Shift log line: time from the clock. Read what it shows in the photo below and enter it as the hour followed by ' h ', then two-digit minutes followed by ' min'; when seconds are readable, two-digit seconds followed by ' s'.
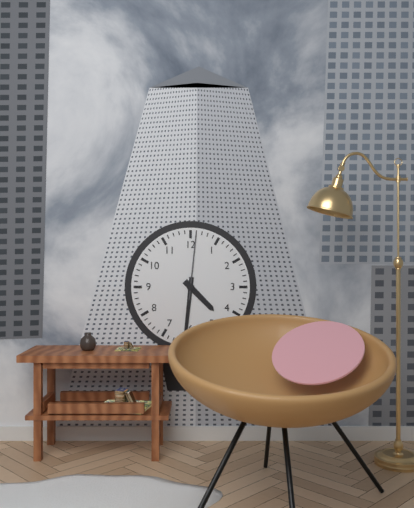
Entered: 4 h 31 min 01 s
